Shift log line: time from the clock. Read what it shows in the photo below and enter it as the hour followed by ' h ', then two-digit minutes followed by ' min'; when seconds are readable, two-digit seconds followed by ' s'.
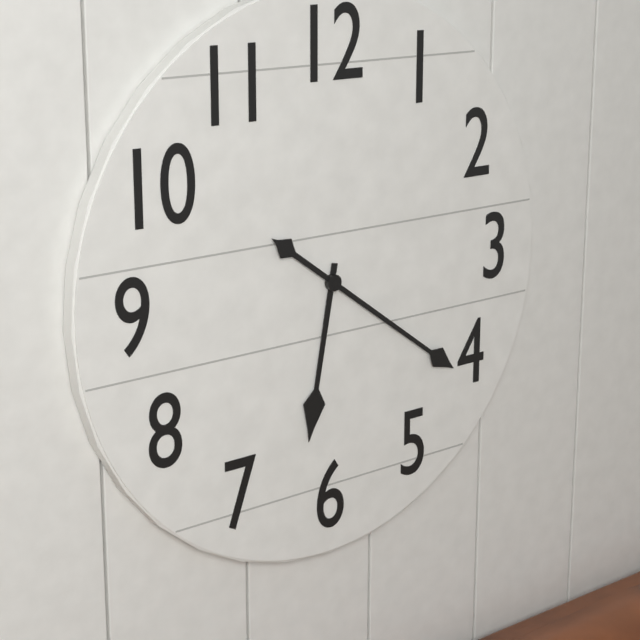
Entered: 6 h 21 min
